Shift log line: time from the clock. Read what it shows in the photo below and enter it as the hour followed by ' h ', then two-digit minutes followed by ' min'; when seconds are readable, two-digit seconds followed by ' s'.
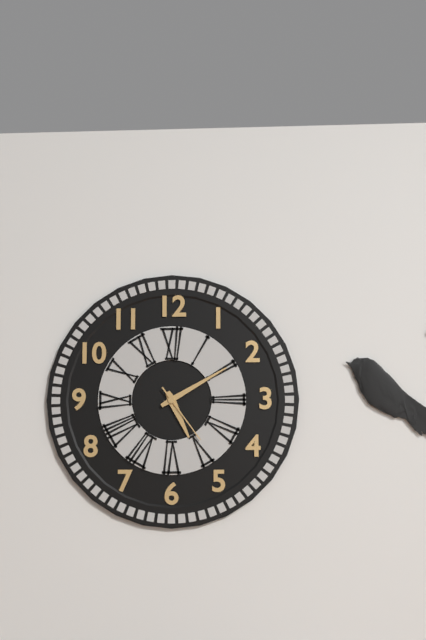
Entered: 5 h 10 min 24 s
